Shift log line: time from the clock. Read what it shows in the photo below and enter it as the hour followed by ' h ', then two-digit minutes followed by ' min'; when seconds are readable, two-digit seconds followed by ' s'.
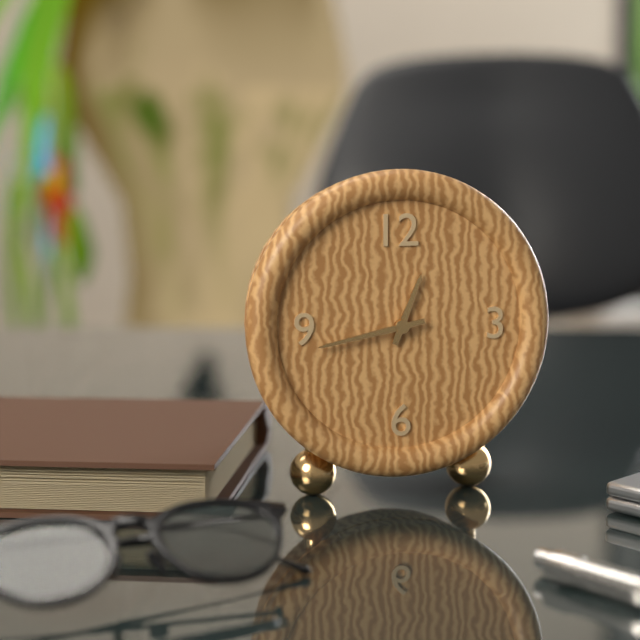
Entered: 12 h 43 min
